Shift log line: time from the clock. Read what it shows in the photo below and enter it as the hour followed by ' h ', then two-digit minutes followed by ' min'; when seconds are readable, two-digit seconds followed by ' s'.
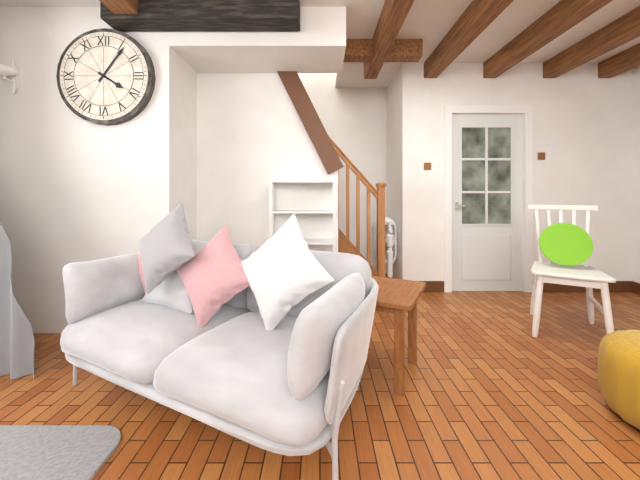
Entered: 4 h 06 min
